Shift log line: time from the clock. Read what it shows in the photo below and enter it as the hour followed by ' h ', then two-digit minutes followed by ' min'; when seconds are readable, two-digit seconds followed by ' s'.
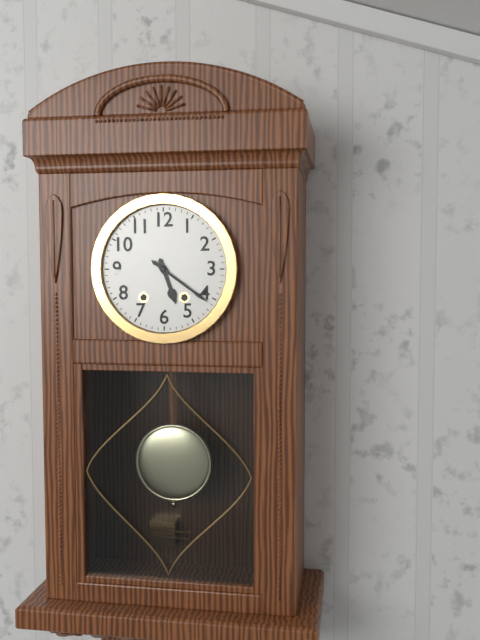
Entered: 5 h 21 min
